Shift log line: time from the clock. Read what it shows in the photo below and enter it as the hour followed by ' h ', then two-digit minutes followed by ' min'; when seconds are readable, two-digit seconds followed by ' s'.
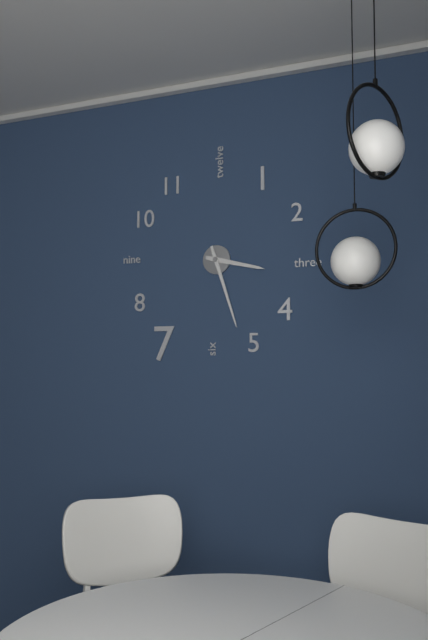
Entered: 3 h 27 min
